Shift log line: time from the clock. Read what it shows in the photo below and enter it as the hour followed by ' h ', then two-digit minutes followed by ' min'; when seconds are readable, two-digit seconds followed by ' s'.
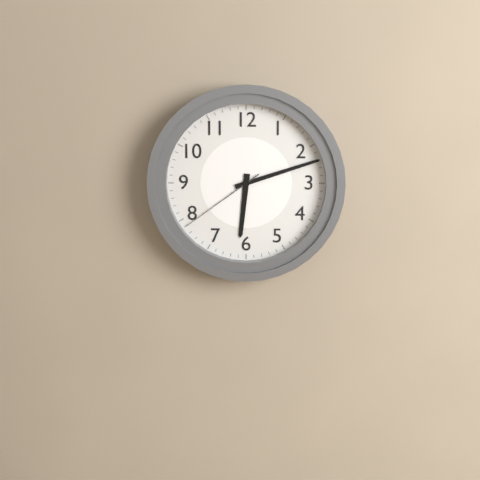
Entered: 6 h 12 min 39 s
